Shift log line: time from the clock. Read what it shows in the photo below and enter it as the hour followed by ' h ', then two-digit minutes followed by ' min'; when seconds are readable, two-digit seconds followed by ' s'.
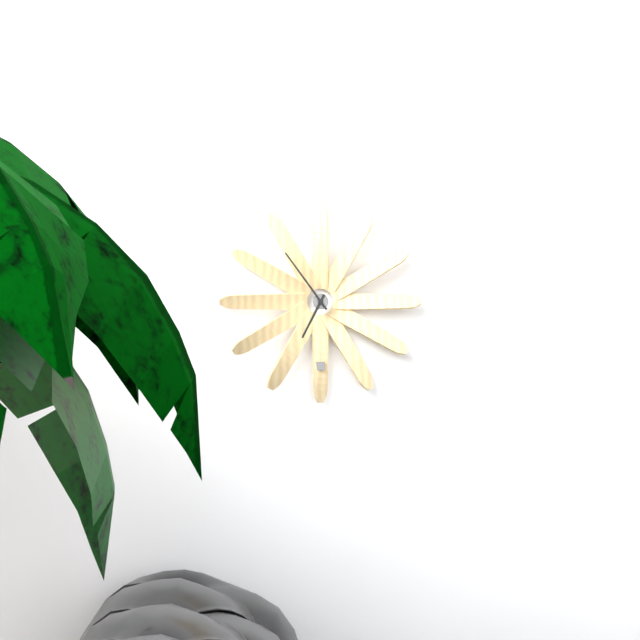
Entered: 6 h 54 min
